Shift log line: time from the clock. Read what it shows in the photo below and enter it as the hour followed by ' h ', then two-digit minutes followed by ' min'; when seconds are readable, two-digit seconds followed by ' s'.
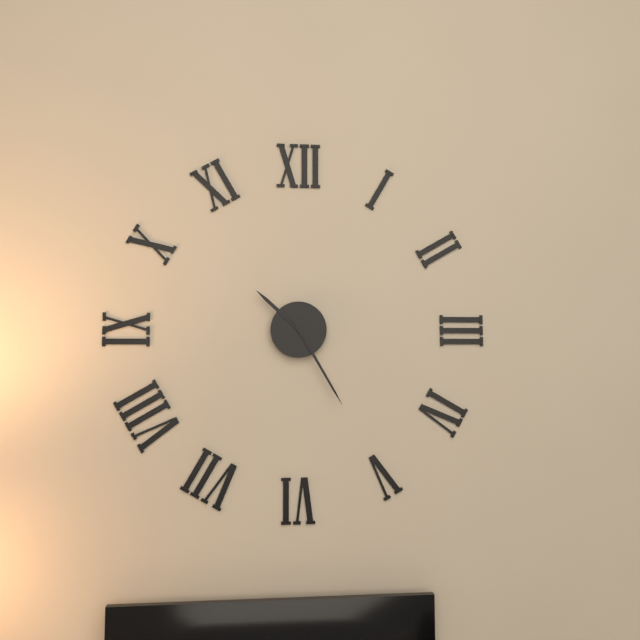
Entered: 10 h 25 min
